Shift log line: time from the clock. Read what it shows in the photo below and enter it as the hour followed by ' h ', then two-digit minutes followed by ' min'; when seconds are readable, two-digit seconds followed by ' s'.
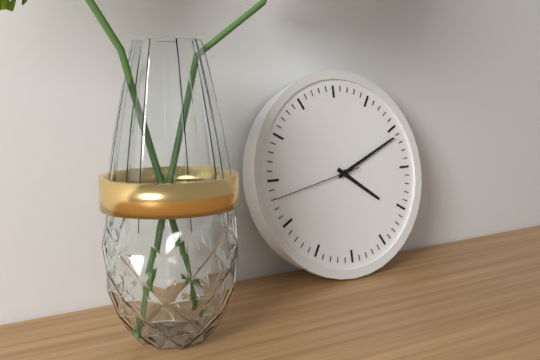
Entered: 4 h 11 min 43 s
